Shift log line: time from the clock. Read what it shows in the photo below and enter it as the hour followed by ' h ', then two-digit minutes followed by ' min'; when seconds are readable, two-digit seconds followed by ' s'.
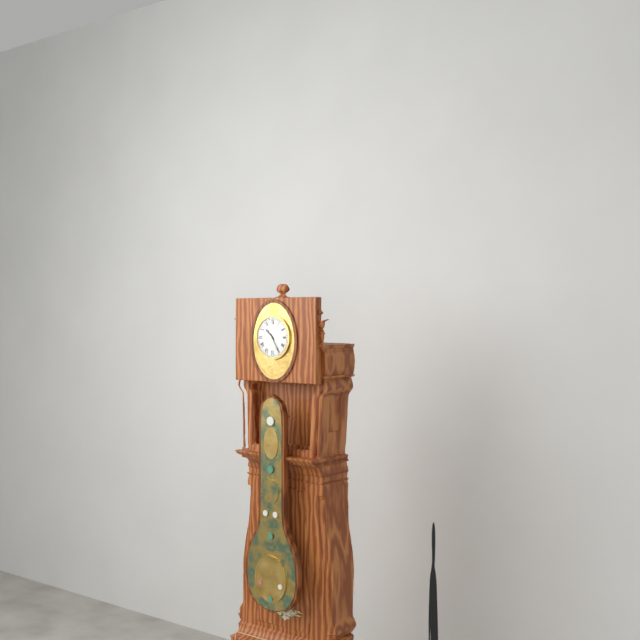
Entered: 10 h 25 min
